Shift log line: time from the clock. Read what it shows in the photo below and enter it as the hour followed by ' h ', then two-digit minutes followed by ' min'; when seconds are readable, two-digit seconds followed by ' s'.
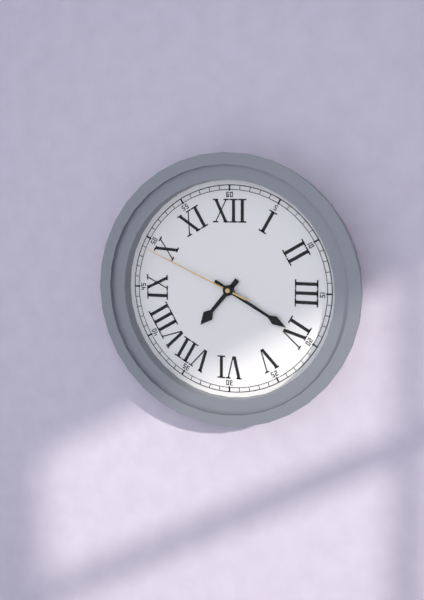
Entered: 7 h 20 min 49 s
